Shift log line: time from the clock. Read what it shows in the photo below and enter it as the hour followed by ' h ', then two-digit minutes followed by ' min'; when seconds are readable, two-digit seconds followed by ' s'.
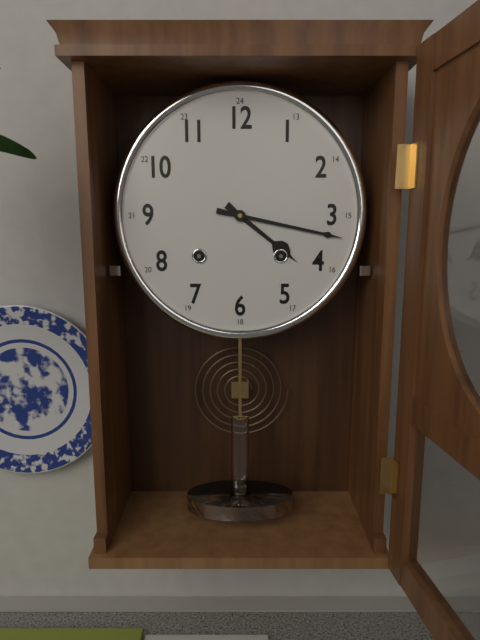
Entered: 4 h 17 min
